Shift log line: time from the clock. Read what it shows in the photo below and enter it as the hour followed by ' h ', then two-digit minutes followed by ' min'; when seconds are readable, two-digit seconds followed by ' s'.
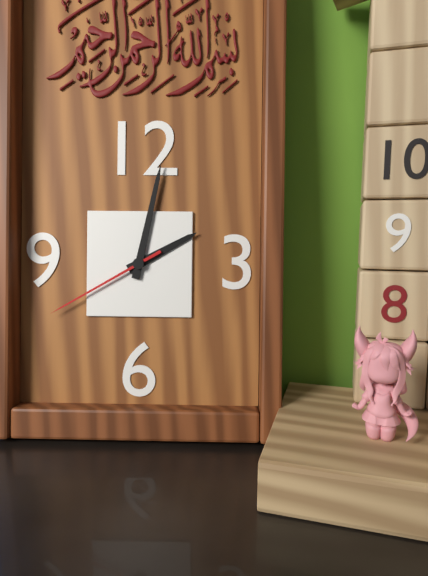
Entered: 2 h 02 min 40 s
